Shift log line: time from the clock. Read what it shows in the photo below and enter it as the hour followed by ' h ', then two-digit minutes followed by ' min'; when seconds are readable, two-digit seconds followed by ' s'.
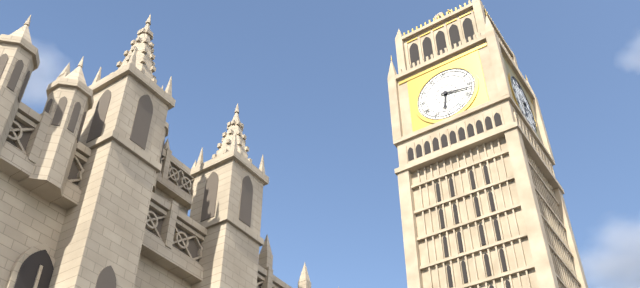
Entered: 6 h 17 min
